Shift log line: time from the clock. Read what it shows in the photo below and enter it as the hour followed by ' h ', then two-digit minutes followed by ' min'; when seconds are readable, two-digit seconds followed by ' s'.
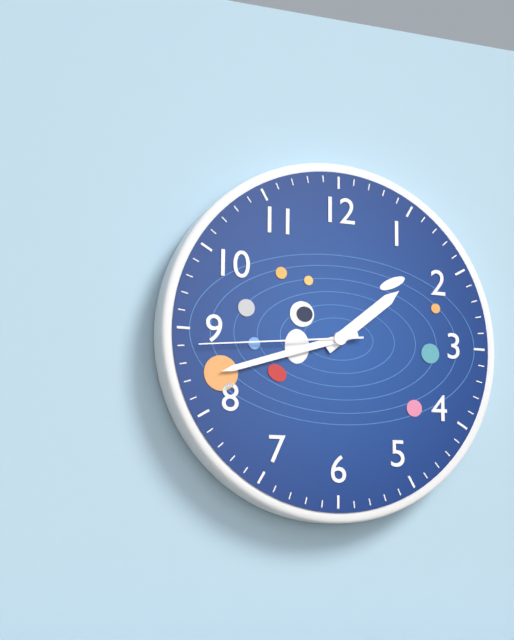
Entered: 1 h 42 min 44 s
